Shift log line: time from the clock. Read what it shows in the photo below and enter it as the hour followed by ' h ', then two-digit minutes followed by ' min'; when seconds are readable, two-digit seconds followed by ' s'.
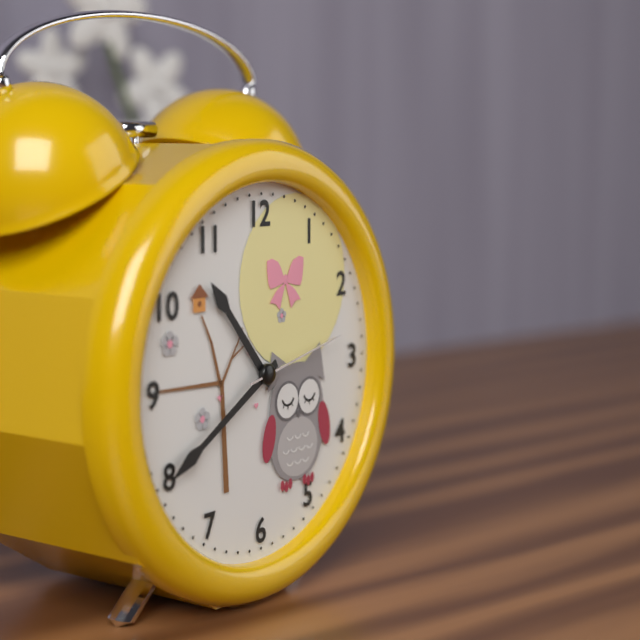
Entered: 10 h 40 min 13 s
